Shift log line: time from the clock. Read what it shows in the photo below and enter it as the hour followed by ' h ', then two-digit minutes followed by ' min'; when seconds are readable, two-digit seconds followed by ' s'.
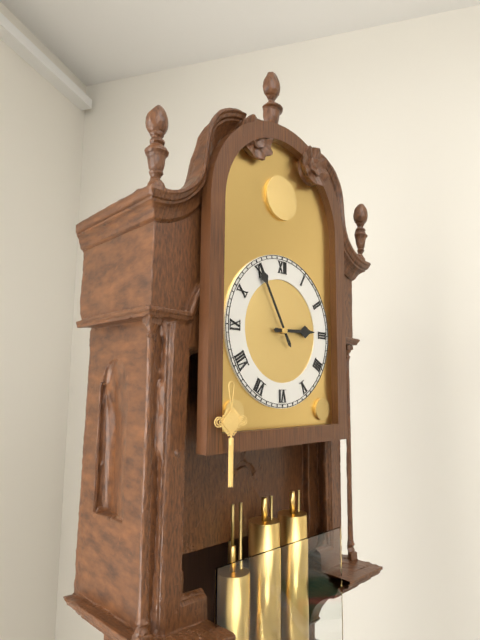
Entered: 2 h 55 min
